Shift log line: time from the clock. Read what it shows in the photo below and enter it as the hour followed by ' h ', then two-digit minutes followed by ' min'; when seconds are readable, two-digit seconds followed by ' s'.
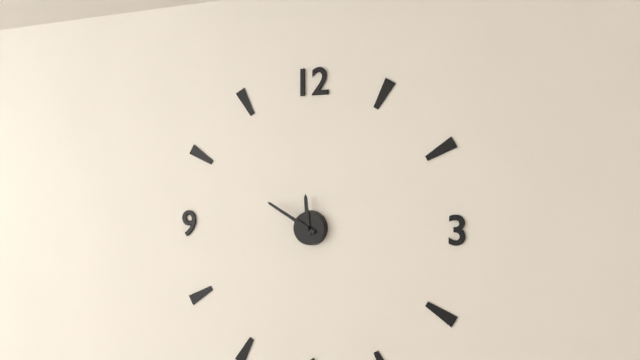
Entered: 11 h 50 min
